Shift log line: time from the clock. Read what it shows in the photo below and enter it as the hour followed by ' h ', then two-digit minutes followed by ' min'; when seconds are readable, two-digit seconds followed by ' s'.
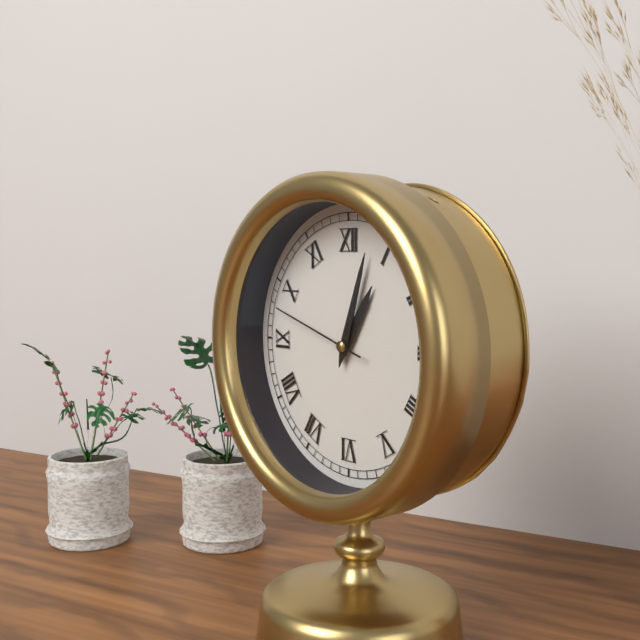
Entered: 1 h 03 min 48 s
